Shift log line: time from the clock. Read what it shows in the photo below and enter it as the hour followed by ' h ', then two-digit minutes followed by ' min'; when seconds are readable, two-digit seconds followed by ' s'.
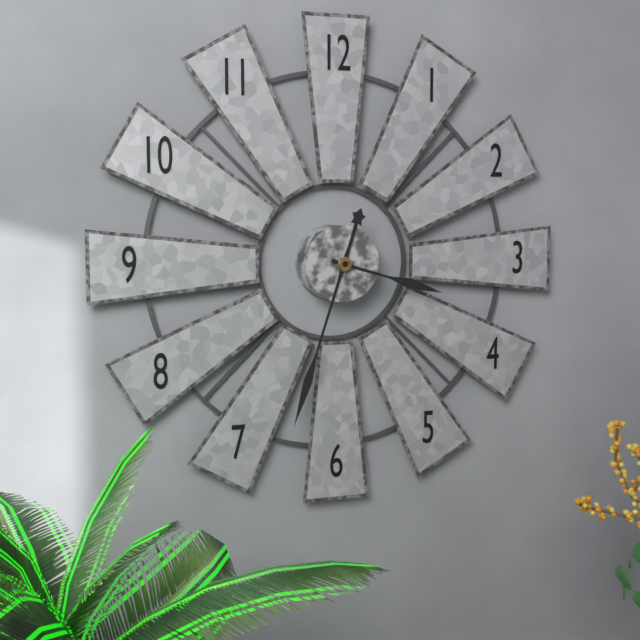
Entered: 3 h 33 min
